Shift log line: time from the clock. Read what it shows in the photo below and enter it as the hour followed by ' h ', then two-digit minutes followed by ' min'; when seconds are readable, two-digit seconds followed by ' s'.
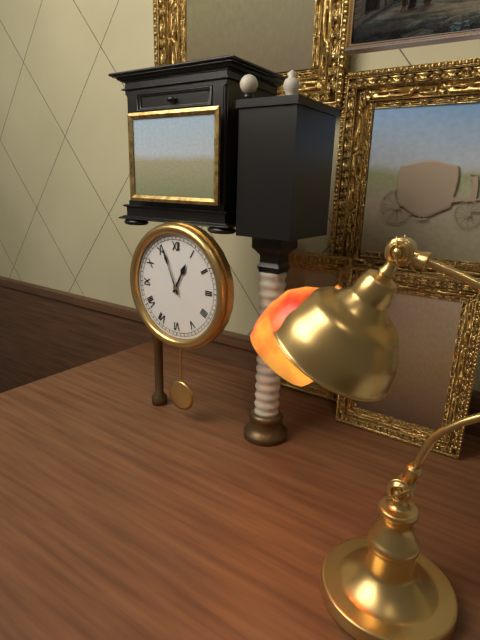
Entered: 12 h 56 min
